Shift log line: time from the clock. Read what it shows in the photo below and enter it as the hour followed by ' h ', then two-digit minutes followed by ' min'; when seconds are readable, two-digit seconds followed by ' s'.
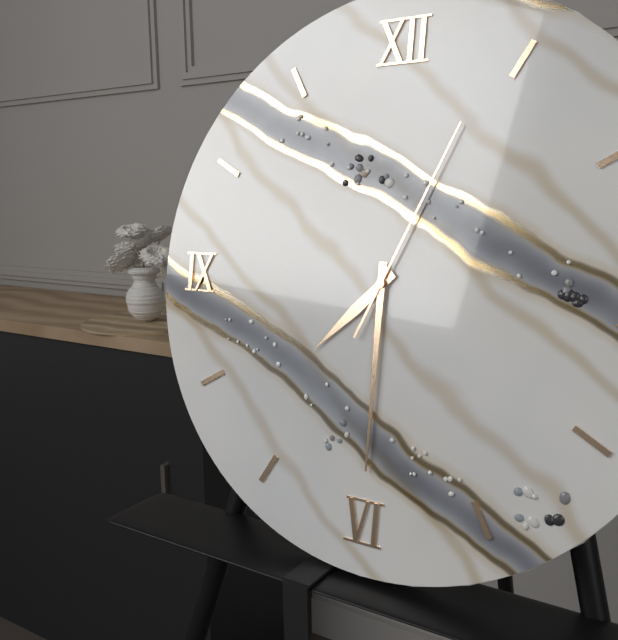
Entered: 7 h 30 min 04 s
